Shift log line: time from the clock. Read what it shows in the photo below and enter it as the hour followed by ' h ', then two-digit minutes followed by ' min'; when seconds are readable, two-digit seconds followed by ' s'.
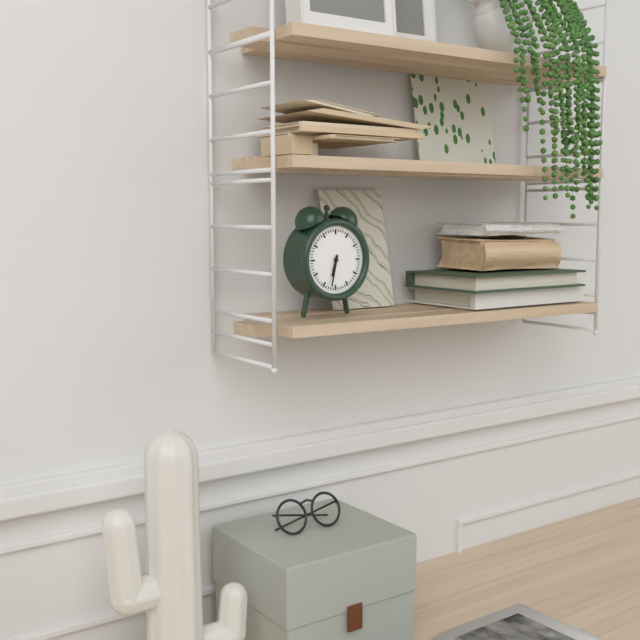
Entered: 6 h 32 min
